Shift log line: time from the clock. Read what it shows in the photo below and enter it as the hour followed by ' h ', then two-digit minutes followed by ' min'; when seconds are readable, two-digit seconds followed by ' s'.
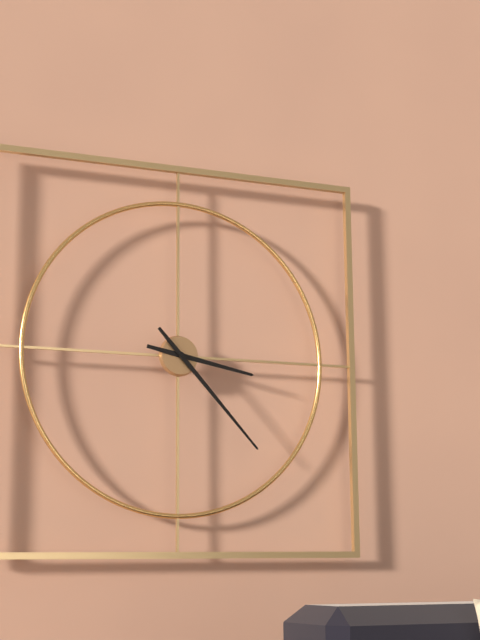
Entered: 3 h 23 min
